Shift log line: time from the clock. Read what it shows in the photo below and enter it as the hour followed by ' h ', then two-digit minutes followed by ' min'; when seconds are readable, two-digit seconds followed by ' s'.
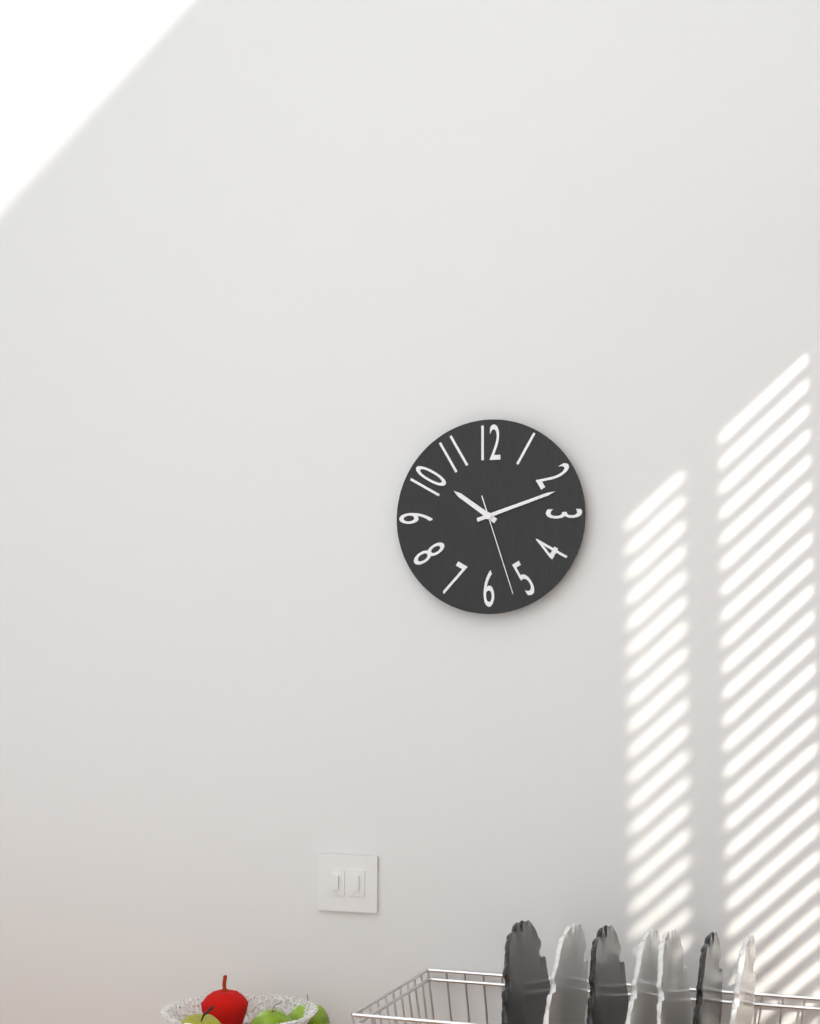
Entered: 10 h 12 min 27 s
